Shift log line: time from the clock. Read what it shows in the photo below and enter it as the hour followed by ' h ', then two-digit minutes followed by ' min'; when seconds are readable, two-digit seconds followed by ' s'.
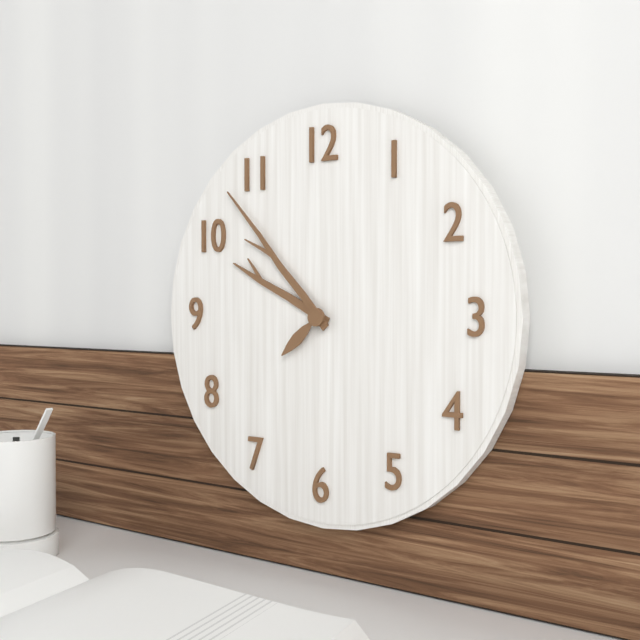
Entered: 9 h 53 min 38 s
